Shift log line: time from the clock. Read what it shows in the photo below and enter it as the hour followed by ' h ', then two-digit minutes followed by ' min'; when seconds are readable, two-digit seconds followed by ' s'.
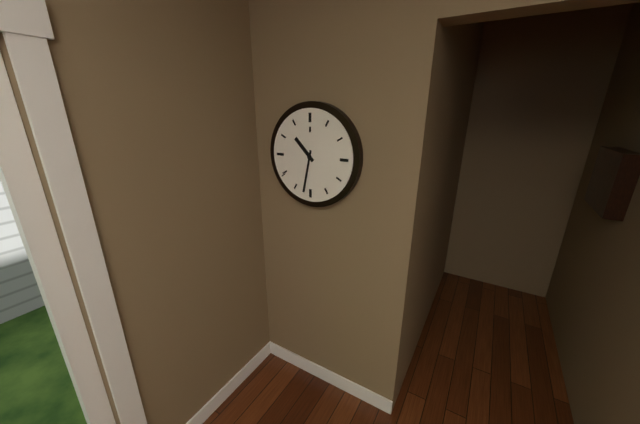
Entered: 10 h 32 min
